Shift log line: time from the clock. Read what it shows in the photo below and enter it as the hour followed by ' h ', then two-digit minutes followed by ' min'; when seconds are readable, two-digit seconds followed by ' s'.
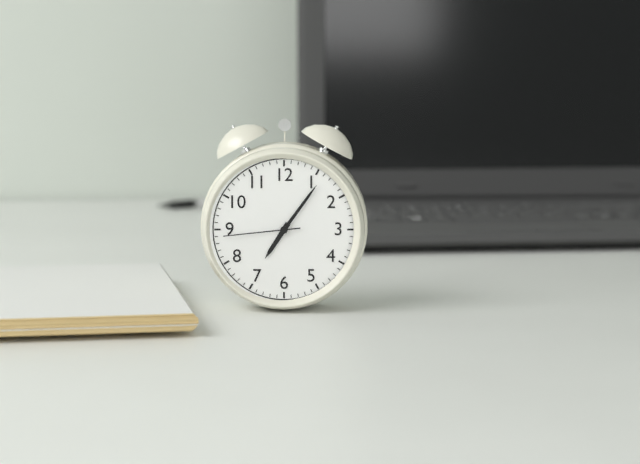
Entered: 7 h 06 min 44 s
